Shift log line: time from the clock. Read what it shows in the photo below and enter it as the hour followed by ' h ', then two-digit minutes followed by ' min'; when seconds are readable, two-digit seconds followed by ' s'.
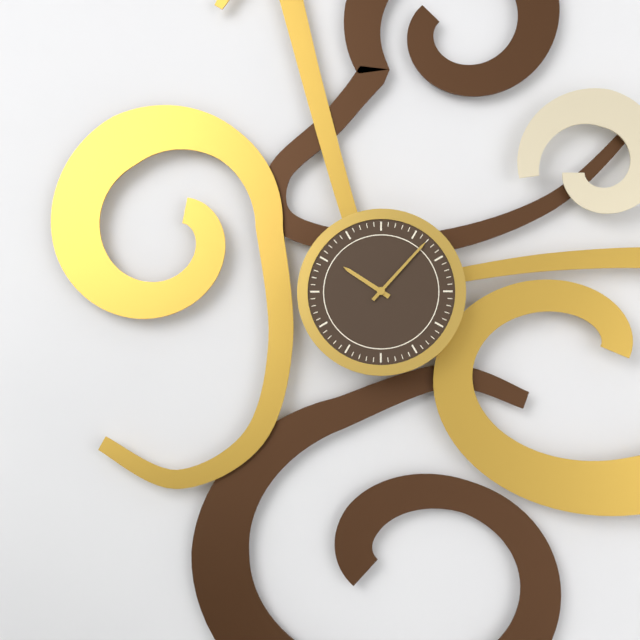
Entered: 10 h 07 min
